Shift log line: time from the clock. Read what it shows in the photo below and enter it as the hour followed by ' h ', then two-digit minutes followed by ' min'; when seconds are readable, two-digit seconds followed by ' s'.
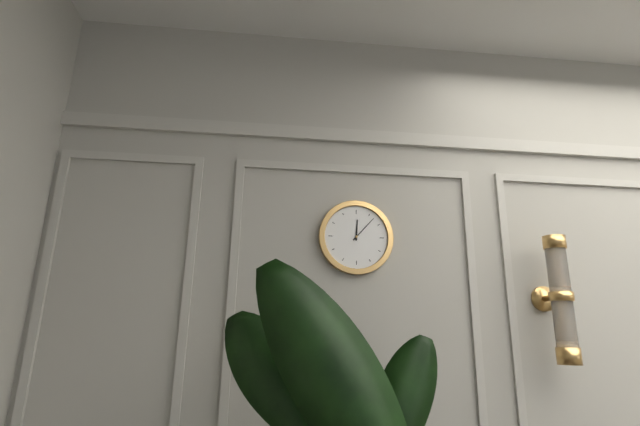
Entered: 12 h 07 min
